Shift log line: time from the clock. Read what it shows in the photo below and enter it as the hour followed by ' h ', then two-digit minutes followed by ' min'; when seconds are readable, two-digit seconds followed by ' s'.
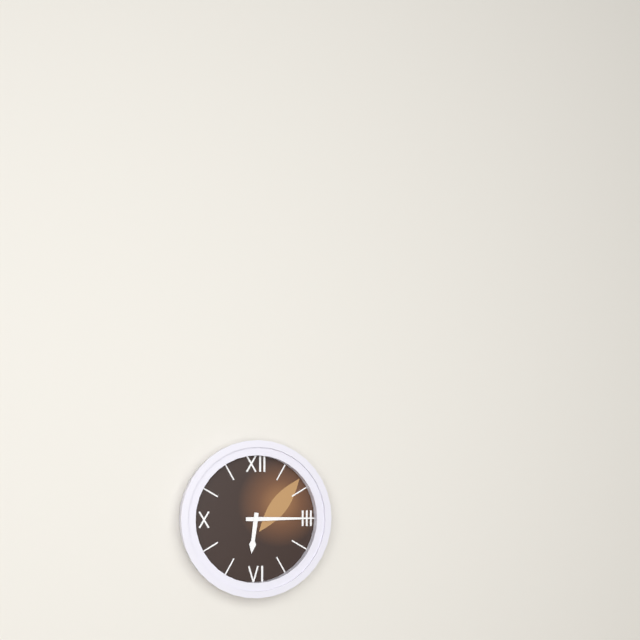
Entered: 6 h 15 min
